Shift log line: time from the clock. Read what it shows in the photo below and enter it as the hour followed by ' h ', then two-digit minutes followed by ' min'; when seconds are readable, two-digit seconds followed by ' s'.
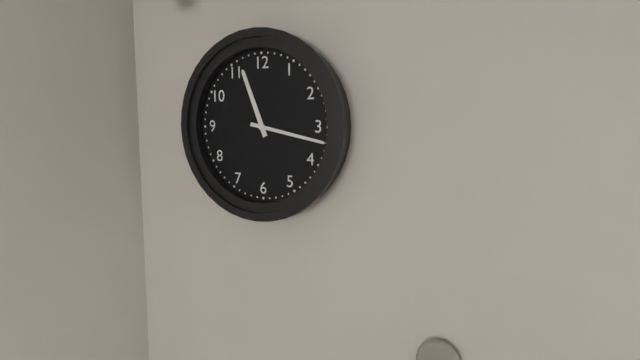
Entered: 11 h 17 min
